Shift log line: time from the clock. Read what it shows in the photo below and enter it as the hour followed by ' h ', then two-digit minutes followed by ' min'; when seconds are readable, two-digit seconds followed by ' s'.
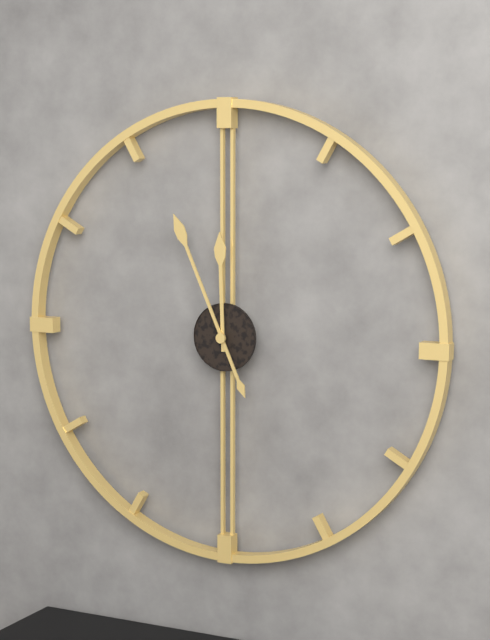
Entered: 11 h 56 min
